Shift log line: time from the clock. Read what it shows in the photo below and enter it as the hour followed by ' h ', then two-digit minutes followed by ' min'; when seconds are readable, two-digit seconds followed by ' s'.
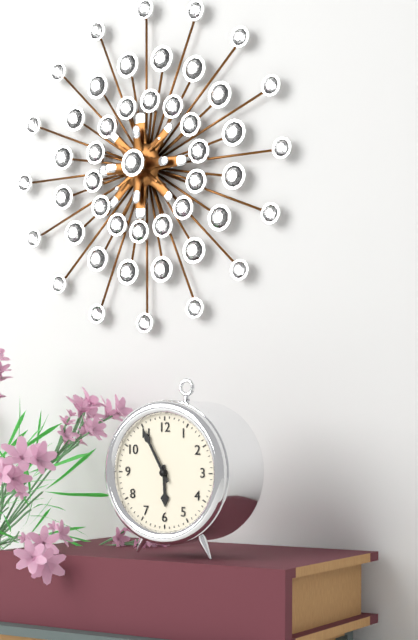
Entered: 5 h 55 min
